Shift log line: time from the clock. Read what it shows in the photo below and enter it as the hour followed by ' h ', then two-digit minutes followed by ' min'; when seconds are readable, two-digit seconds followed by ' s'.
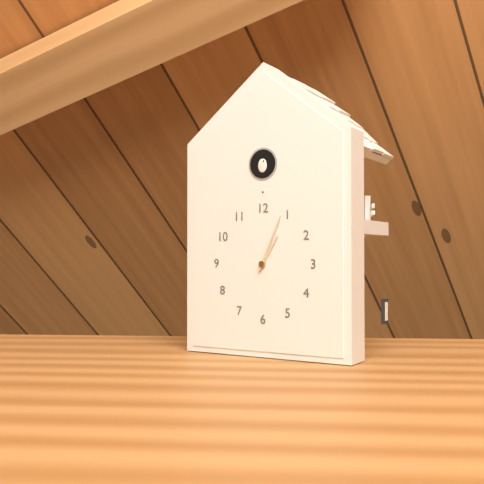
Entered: 1 h 04 min
